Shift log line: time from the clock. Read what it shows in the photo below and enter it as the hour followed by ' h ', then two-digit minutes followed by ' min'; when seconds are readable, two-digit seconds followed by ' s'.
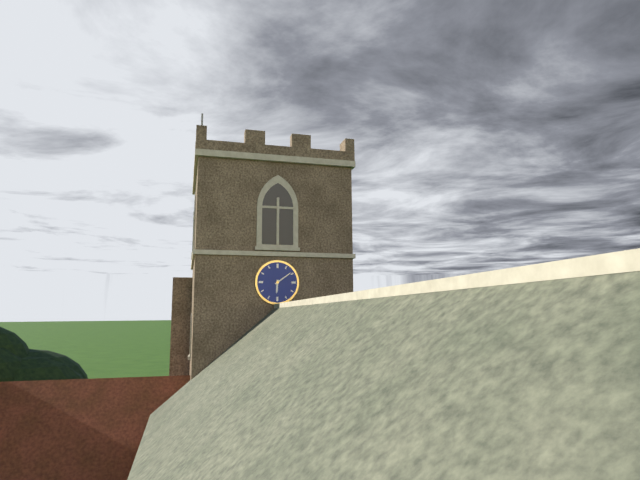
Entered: 6 h 09 min
